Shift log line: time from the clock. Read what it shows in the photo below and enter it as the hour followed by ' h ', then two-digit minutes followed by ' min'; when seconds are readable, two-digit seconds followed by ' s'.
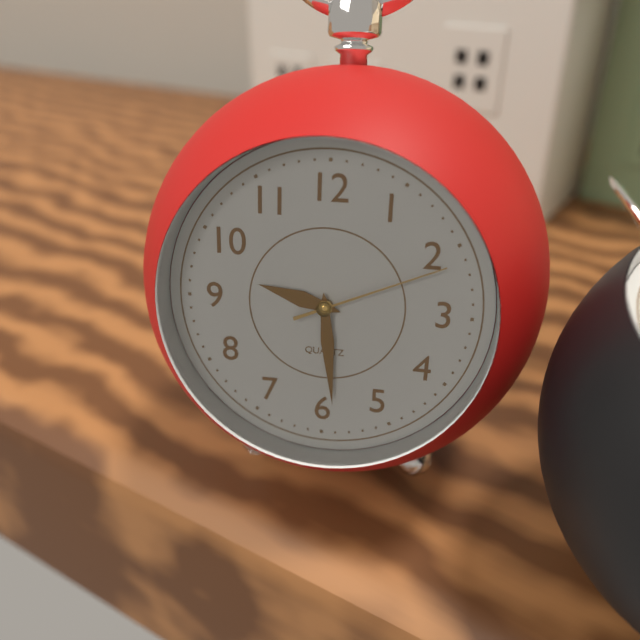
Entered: 9 h 29 min 11 s
